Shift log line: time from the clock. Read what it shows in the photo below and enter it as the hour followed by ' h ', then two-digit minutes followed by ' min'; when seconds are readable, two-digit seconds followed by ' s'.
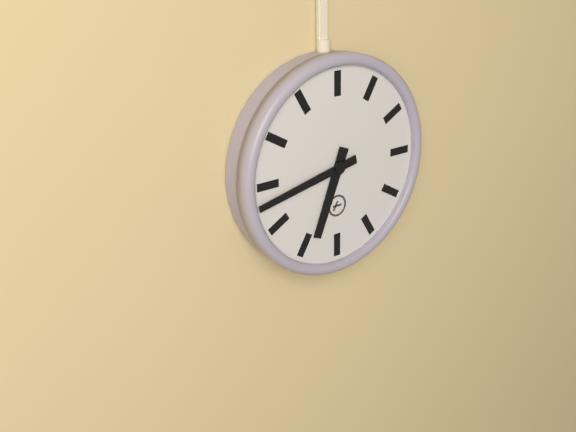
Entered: 6 h 43 min
